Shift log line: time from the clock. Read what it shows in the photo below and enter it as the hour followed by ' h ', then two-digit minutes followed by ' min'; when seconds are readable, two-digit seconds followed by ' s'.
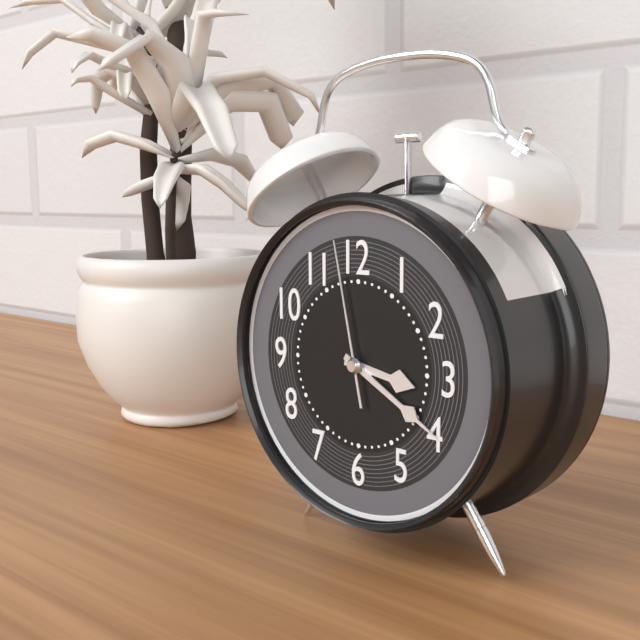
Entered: 3 h 20 min 58 s
